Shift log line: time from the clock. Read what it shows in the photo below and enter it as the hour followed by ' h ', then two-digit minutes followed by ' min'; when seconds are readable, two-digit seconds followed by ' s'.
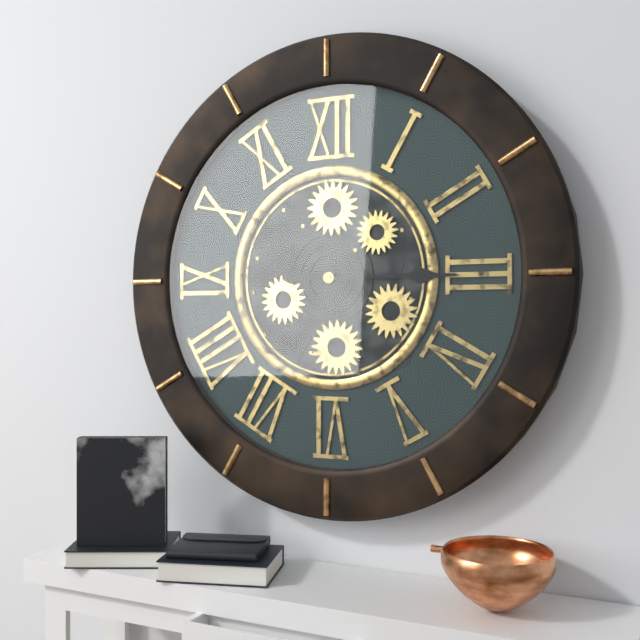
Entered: 9 h 15 min
